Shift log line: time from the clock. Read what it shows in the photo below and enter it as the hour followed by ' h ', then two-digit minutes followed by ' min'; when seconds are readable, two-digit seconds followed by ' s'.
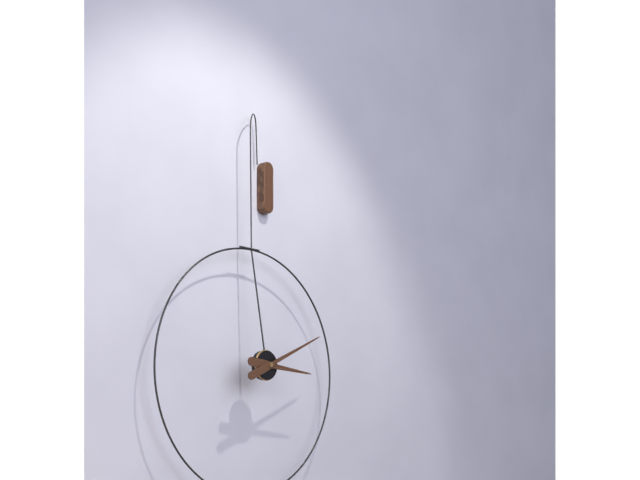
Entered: 3 h 11 min
